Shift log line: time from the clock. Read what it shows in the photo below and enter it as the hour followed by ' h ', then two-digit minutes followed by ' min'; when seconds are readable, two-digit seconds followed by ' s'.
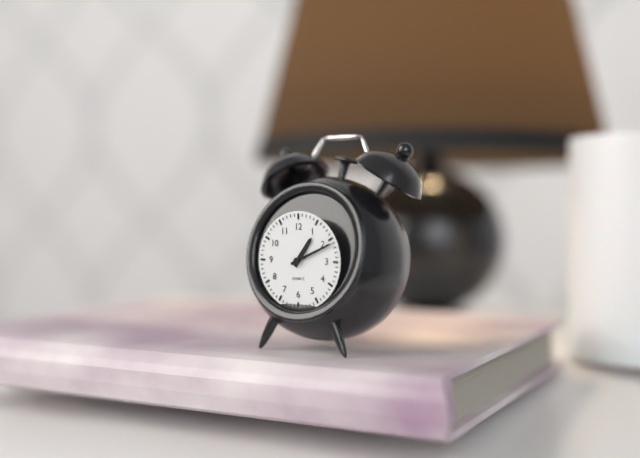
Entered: 1 h 11 min
